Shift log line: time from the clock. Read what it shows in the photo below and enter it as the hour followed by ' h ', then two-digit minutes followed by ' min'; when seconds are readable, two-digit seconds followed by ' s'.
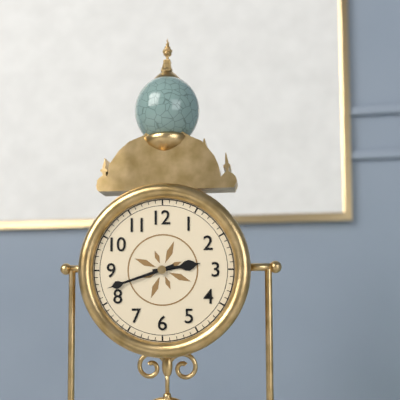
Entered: 2 h 42 min
